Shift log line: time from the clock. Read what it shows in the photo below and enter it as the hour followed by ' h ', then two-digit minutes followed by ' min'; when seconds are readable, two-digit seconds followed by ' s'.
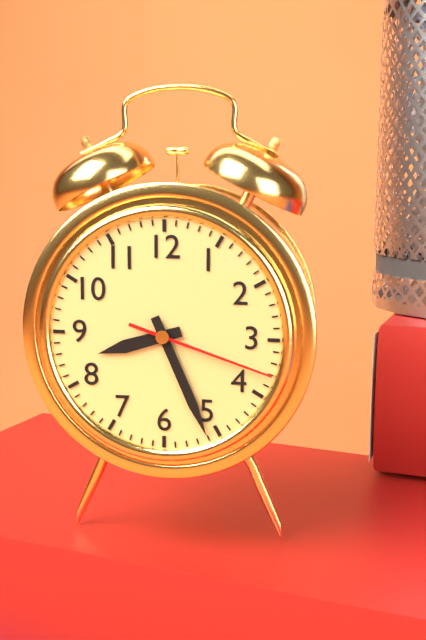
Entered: 8 h 26 min 18 s
